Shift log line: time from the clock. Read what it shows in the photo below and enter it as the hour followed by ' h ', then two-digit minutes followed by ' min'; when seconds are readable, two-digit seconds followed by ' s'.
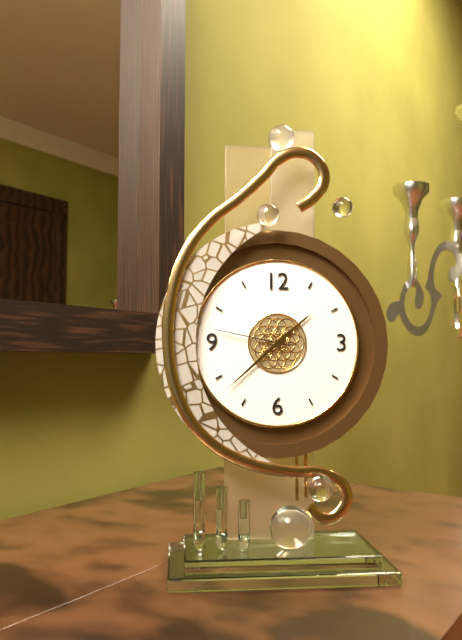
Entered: 1 h 38 min 47 s
